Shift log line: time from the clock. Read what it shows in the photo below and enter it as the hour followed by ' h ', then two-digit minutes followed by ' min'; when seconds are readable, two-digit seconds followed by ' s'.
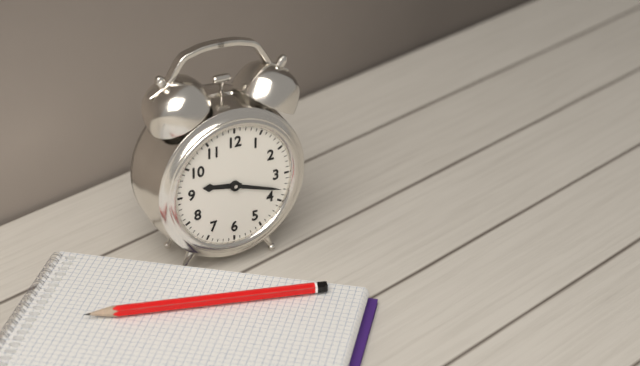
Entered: 9 h 18 min
